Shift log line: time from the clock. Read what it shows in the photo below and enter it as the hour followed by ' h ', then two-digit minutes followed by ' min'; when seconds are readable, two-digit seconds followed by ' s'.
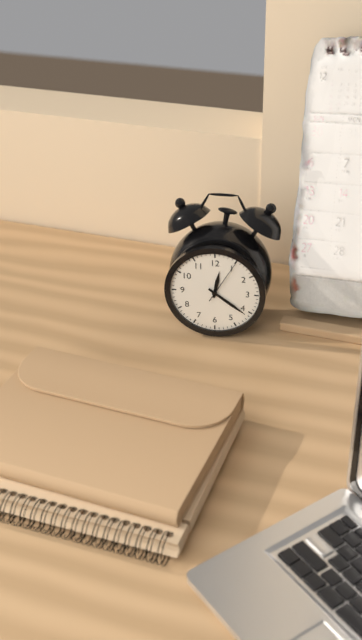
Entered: 12 h 21 min
